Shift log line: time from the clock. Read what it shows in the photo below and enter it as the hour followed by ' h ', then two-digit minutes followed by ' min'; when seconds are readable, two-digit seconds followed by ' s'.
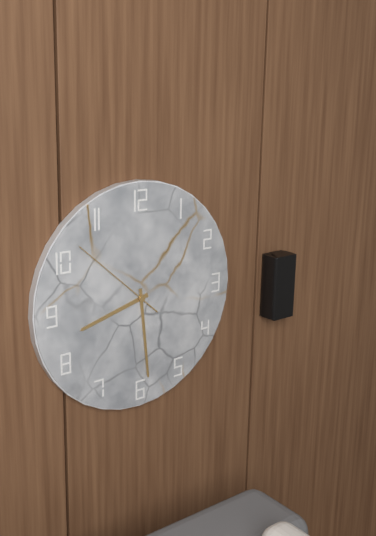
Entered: 8 h 29 min 52 s
